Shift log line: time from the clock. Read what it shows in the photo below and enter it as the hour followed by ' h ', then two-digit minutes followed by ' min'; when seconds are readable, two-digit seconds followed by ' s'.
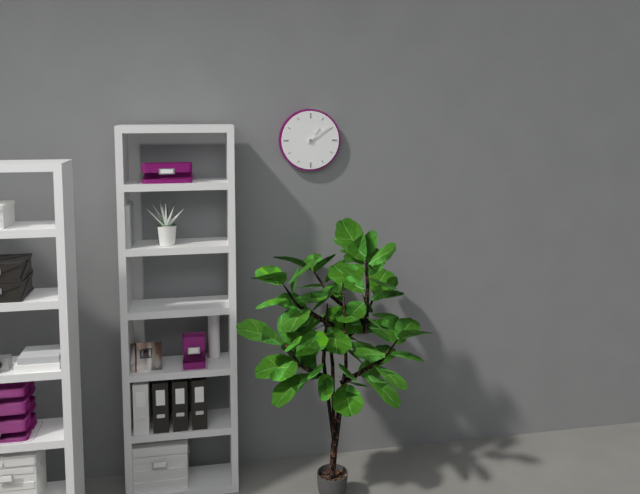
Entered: 1 h 09 min
